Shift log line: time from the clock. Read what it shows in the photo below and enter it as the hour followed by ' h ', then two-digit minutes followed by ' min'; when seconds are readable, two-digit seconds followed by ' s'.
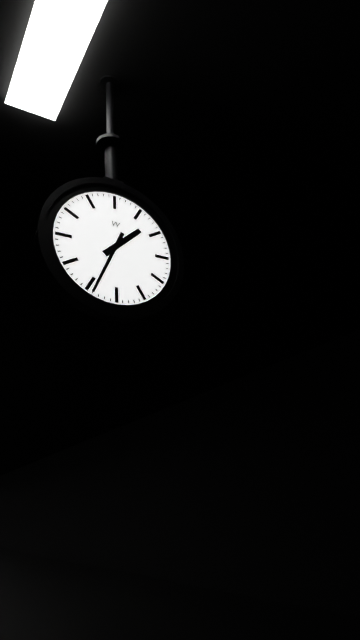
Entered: 1 h 34 min
